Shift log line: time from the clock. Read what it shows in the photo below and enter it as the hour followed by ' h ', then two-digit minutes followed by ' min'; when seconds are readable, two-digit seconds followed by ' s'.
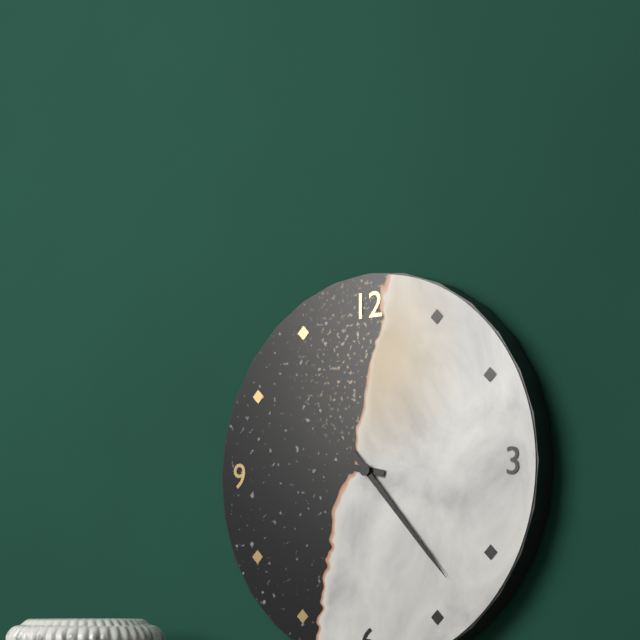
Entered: 9 h 23 min
